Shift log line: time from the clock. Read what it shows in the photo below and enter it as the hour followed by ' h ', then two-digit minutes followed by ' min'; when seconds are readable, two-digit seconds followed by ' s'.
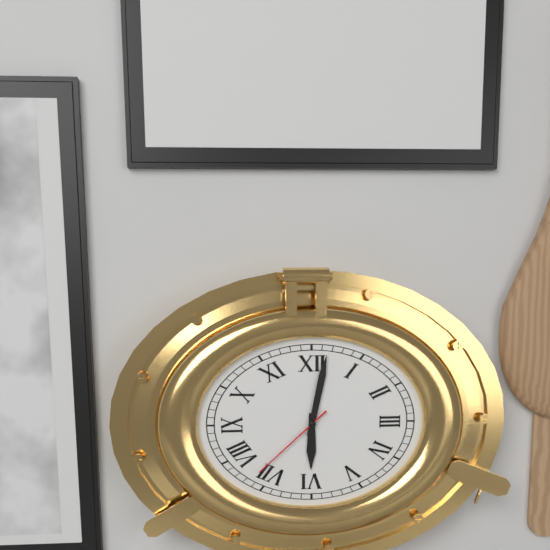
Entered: 6 h 02 min 38 s
